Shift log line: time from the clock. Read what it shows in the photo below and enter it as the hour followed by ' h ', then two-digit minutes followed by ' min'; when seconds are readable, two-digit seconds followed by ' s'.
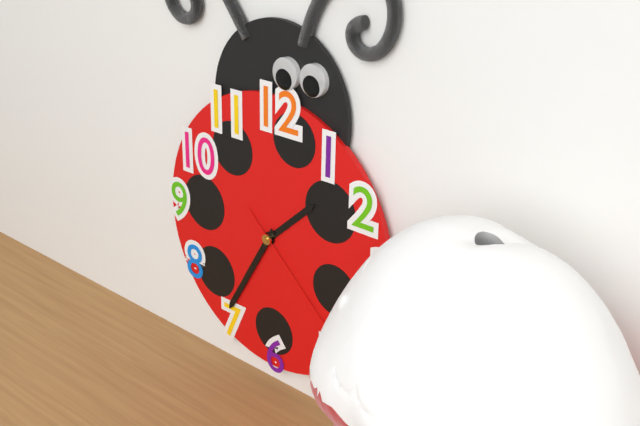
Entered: 1 h 35 min 22 s
